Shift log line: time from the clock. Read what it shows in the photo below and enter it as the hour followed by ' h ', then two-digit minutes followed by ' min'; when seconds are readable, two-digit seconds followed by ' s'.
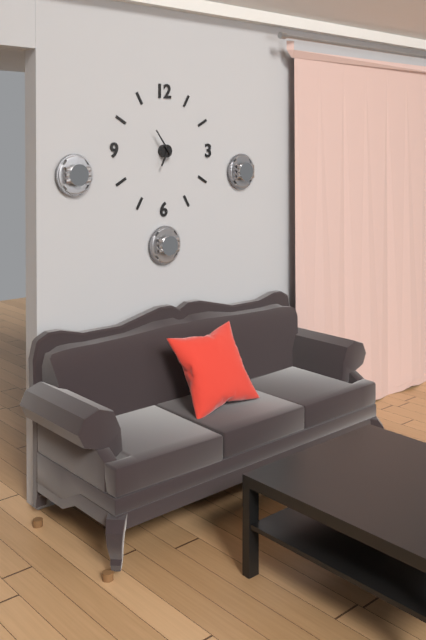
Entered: 6 h 54 min
